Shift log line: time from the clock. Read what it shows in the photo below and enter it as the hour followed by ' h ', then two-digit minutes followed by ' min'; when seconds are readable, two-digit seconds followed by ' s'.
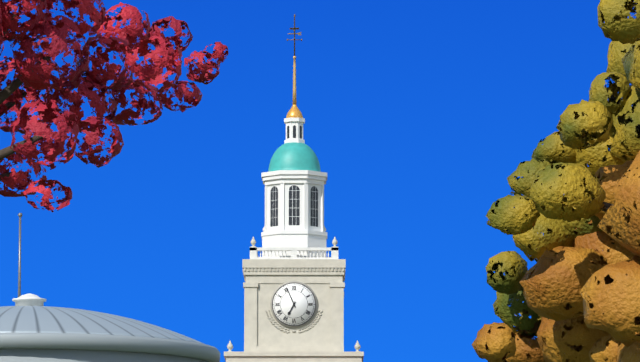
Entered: 6 h 56 min
